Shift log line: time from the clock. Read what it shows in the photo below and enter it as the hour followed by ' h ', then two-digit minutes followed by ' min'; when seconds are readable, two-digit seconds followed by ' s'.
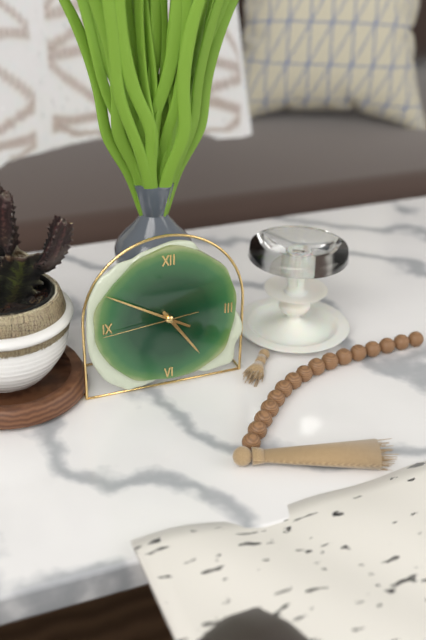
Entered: 4 h 50 min 44 s
